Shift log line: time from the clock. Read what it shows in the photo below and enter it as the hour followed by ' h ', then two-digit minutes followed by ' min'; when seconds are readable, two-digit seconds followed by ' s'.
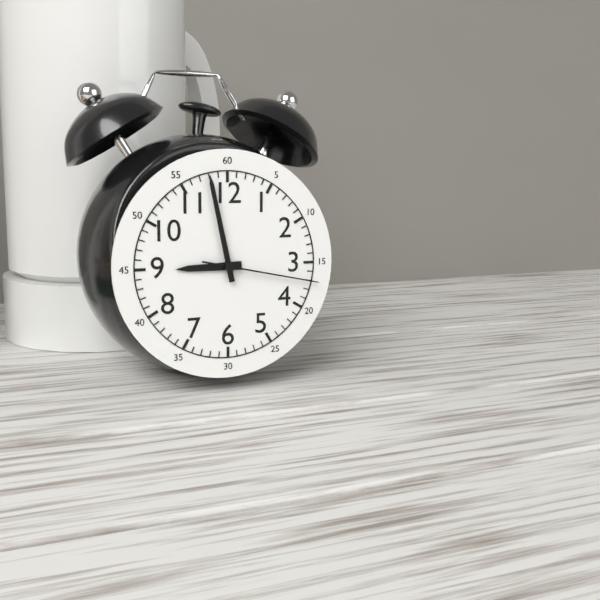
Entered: 8 h 58 min 17 s
